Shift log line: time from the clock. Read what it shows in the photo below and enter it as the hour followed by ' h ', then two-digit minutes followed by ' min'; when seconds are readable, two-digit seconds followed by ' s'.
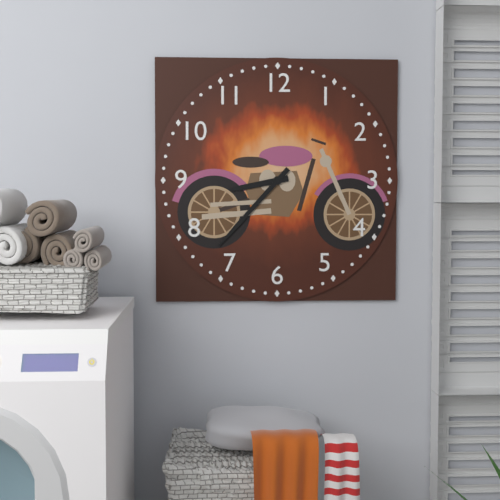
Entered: 8 h 37 min
